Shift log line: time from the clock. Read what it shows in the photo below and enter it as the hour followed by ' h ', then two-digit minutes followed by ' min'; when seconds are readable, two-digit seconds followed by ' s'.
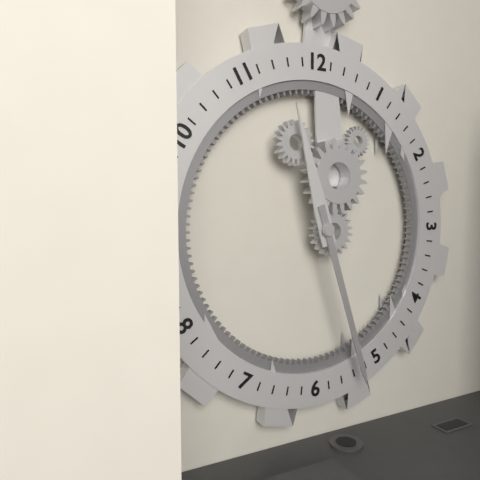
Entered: 11 h 27 min
